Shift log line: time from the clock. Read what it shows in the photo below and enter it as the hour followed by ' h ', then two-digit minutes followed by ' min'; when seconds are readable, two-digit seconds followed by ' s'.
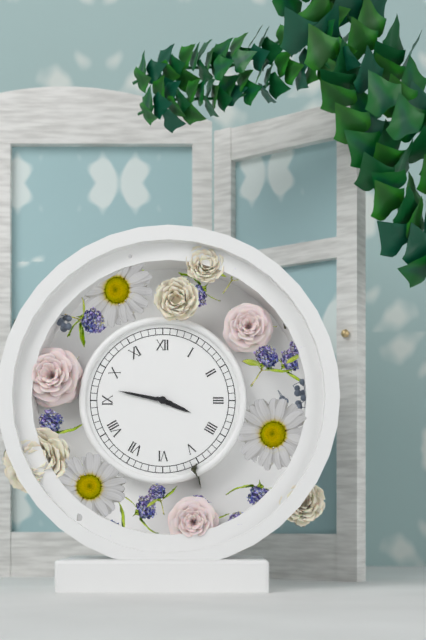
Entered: 3 h 47 min
